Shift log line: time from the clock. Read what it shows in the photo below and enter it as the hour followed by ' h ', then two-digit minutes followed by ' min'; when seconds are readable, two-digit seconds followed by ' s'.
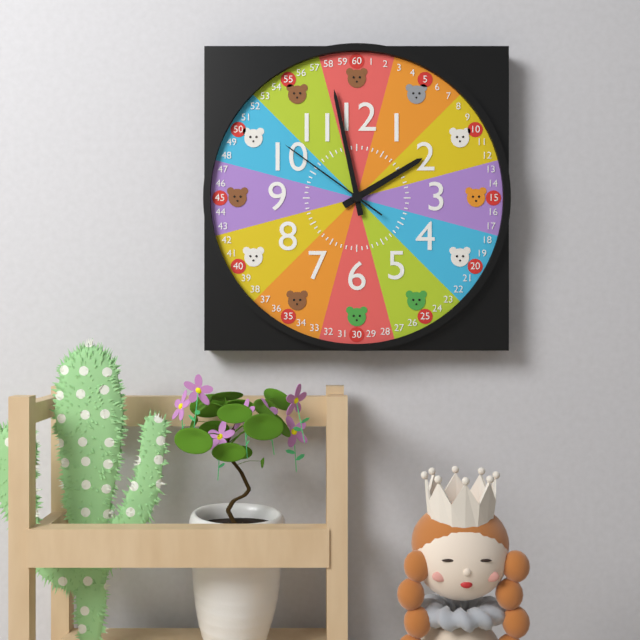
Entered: 1 h 58 min 51 s
